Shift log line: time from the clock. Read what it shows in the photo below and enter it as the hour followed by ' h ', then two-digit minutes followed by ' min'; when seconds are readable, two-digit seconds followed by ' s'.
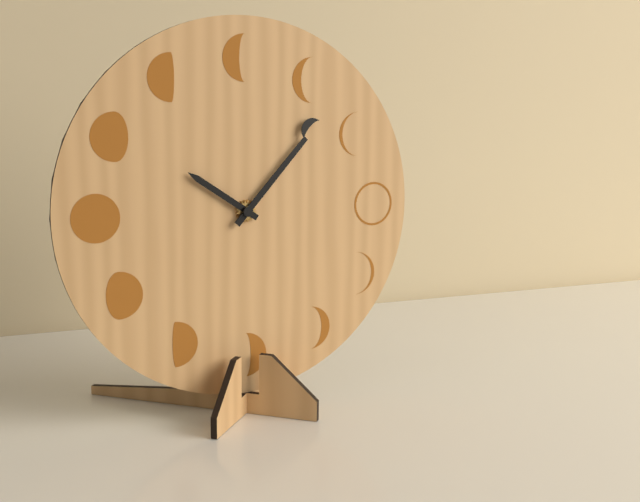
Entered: 10 h 07 min
